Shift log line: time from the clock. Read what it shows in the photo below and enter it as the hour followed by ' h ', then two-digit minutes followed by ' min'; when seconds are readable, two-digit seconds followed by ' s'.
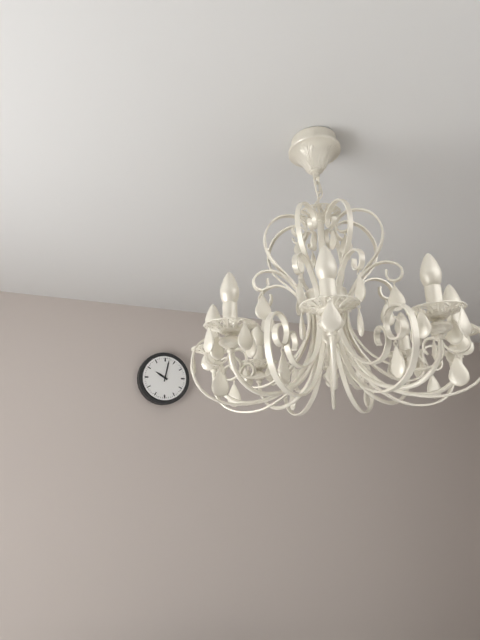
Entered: 10 h 02 min
